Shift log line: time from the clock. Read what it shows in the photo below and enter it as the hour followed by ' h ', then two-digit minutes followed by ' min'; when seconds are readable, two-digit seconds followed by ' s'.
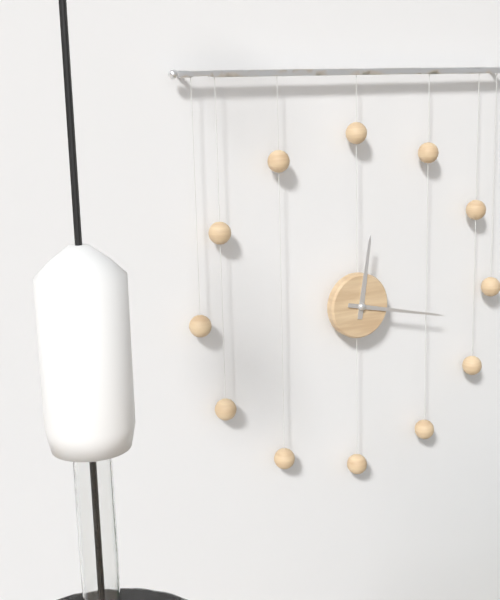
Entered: 12 h 17 min
